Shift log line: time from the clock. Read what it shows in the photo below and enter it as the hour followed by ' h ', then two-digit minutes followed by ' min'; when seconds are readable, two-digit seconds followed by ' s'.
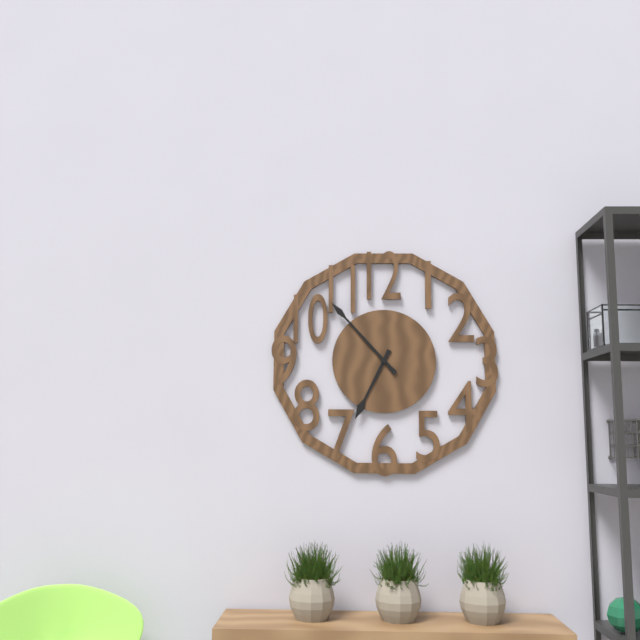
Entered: 6 h 53 min
